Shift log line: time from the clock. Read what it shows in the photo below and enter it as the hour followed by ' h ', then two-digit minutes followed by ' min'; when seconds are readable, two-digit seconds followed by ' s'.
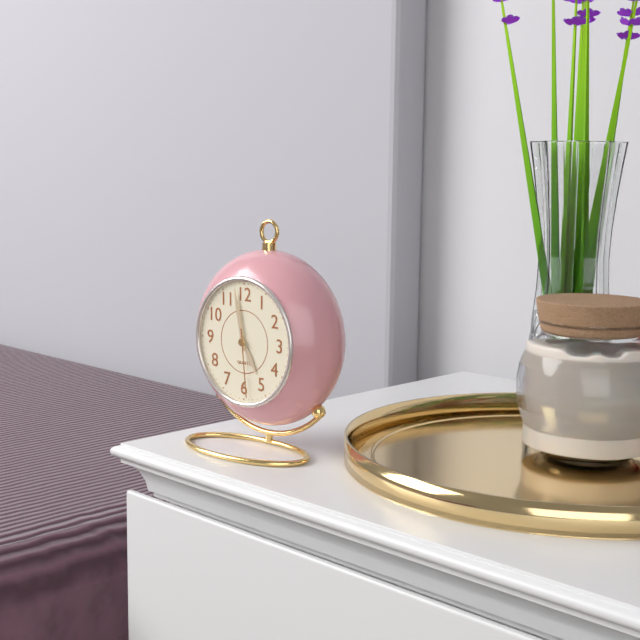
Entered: 4 h 58 min 29 s
